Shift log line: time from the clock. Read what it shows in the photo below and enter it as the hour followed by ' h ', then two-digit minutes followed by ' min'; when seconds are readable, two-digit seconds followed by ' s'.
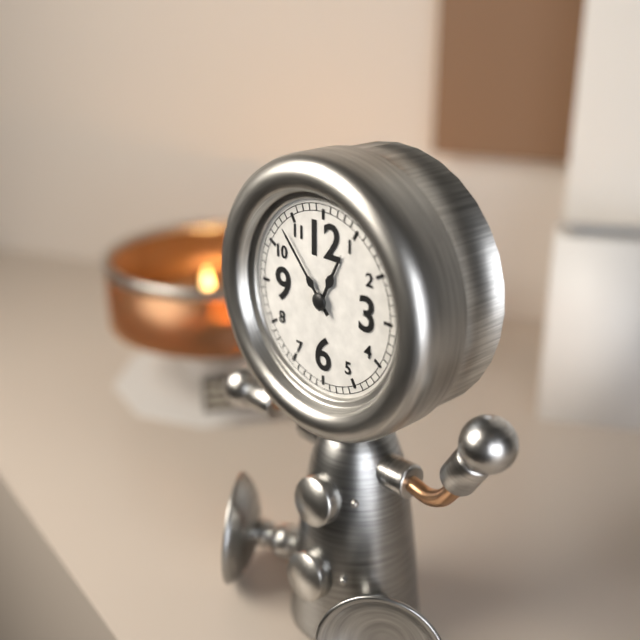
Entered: 12 h 53 min
